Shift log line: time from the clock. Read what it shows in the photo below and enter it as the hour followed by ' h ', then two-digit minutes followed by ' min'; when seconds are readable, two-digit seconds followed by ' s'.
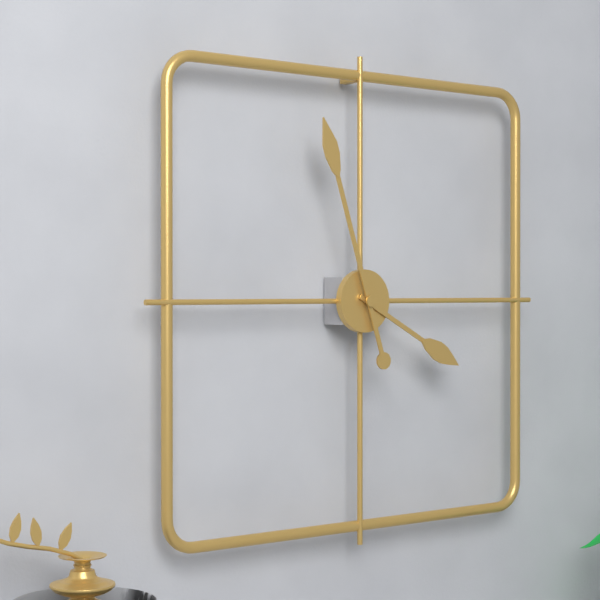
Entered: 3 h 57 min
